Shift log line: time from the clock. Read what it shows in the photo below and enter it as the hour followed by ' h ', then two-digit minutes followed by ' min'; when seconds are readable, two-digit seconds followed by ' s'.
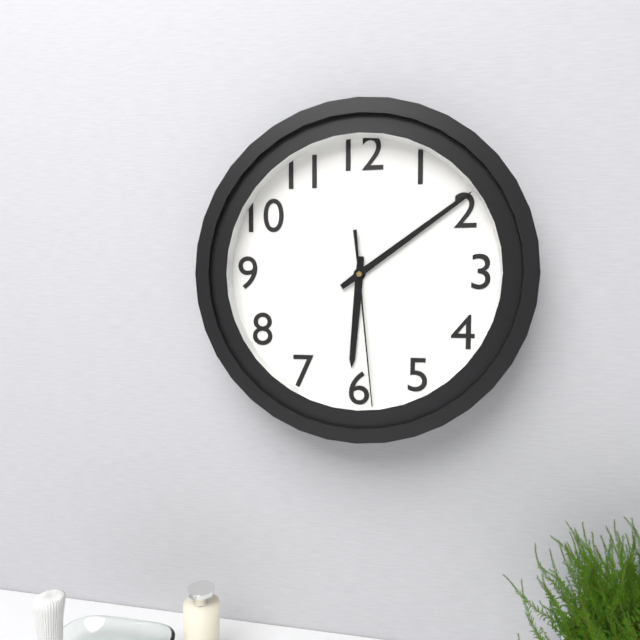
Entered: 6 h 09 min 29 s
